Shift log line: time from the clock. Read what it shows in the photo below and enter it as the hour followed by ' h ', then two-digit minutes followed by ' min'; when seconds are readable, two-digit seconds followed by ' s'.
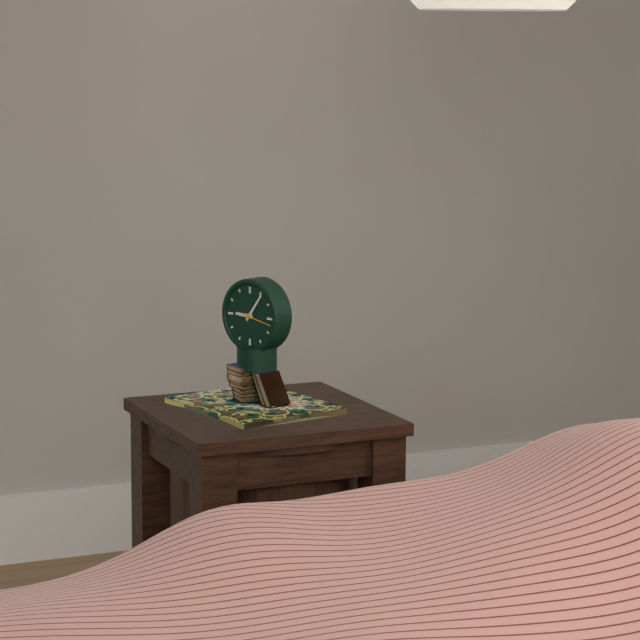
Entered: 9 h 06 min
